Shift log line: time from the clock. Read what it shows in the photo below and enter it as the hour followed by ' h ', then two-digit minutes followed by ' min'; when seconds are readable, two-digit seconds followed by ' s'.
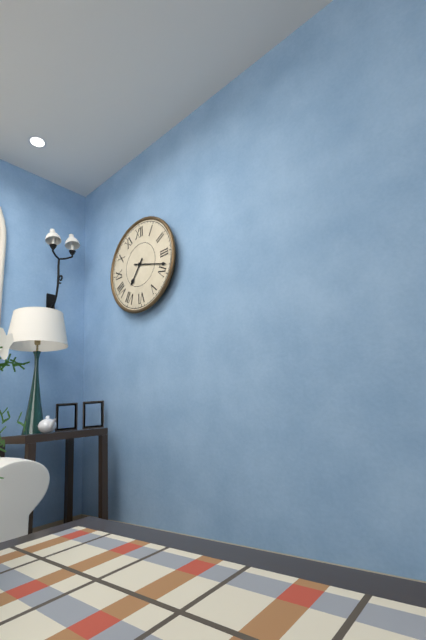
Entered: 7 h 18 min
